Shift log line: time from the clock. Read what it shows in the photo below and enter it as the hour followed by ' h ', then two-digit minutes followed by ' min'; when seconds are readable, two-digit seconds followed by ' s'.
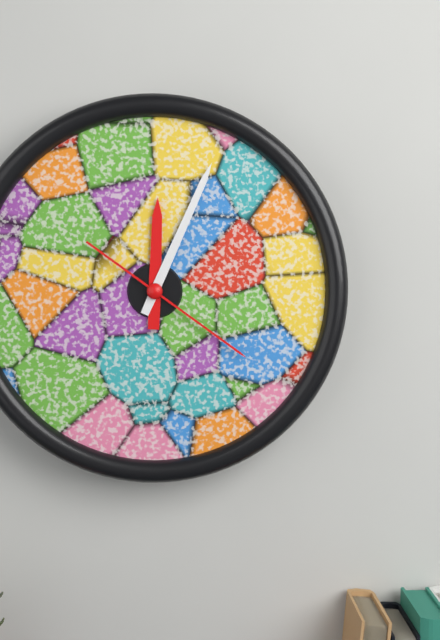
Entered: 12 h 04 min 21 s
